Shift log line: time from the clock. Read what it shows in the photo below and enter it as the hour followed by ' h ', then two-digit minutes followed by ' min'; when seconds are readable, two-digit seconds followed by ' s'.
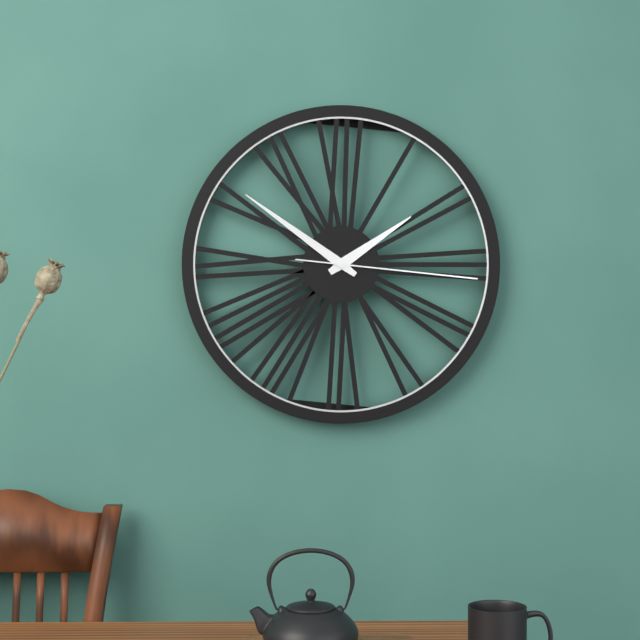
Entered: 1 h 51 min 16 s
